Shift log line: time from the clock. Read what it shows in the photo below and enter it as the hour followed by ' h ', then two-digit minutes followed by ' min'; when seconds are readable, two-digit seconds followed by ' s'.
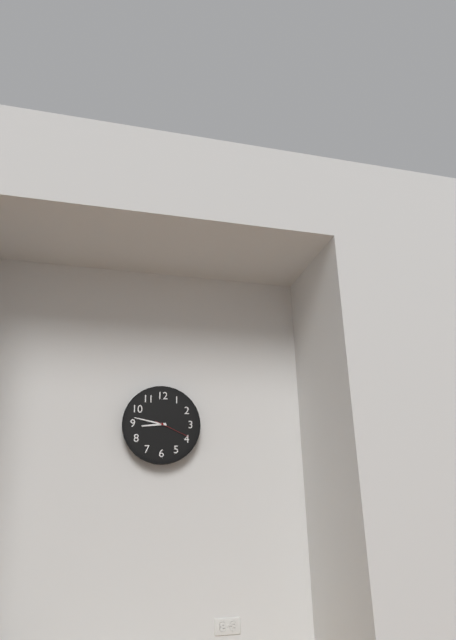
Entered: 8 h 47 min
